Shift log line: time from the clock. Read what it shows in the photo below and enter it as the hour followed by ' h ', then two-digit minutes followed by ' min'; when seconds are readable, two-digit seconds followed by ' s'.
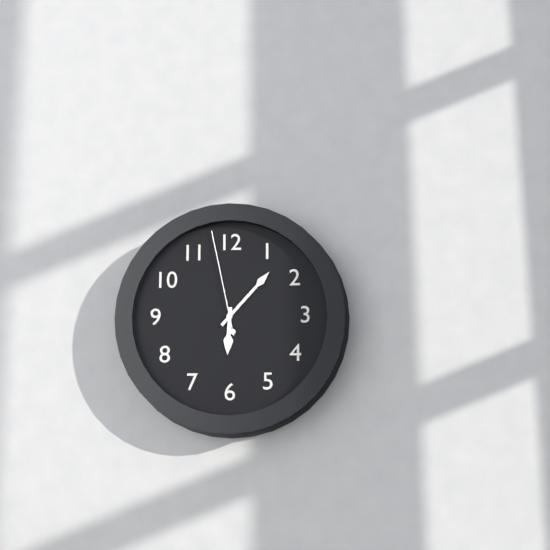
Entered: 6 h 07 min 58 s
